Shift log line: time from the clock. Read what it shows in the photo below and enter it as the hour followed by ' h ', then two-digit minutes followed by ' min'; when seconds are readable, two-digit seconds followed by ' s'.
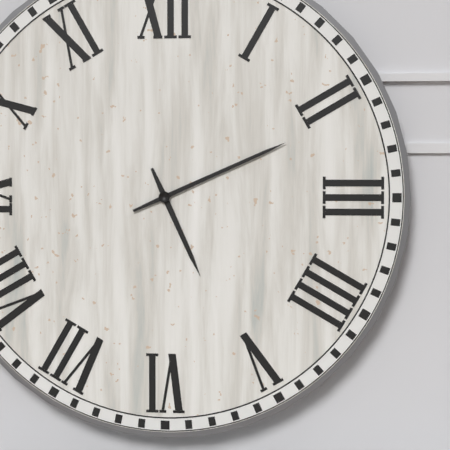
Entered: 5 h 11 min
